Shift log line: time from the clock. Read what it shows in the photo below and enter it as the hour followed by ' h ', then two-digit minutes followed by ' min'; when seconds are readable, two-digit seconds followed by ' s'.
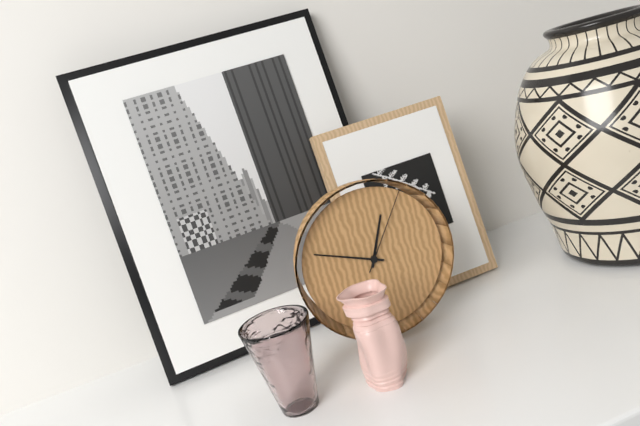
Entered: 12 h 49 min 06 s
